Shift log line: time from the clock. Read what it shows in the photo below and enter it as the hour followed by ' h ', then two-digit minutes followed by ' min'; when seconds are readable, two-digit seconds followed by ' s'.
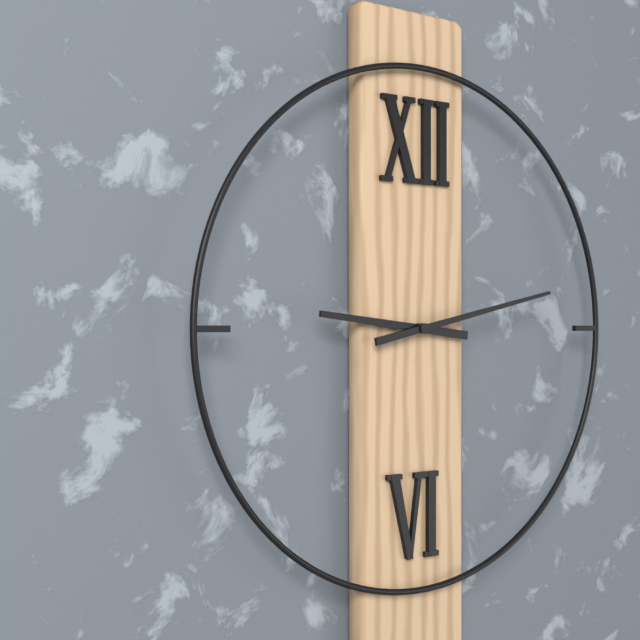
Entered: 9 h 13 min
